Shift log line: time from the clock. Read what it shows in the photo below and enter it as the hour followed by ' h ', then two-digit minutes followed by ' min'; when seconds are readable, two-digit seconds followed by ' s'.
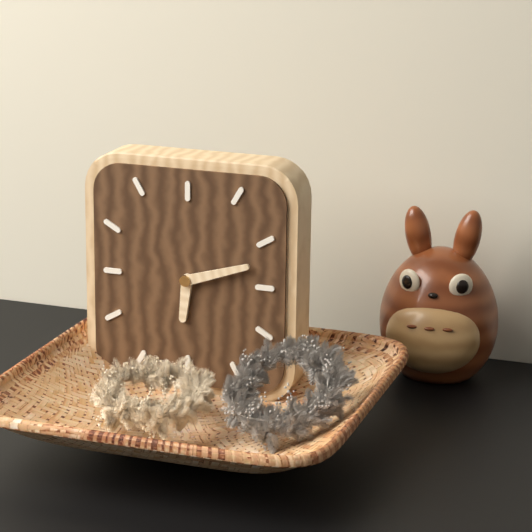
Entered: 6 h 12 min
